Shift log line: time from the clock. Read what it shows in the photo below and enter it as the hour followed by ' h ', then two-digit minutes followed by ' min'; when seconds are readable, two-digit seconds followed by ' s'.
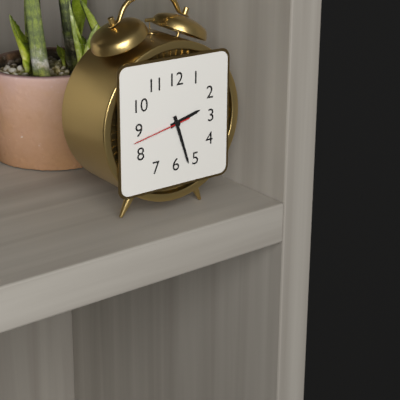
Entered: 2 h 27 min 43 s
